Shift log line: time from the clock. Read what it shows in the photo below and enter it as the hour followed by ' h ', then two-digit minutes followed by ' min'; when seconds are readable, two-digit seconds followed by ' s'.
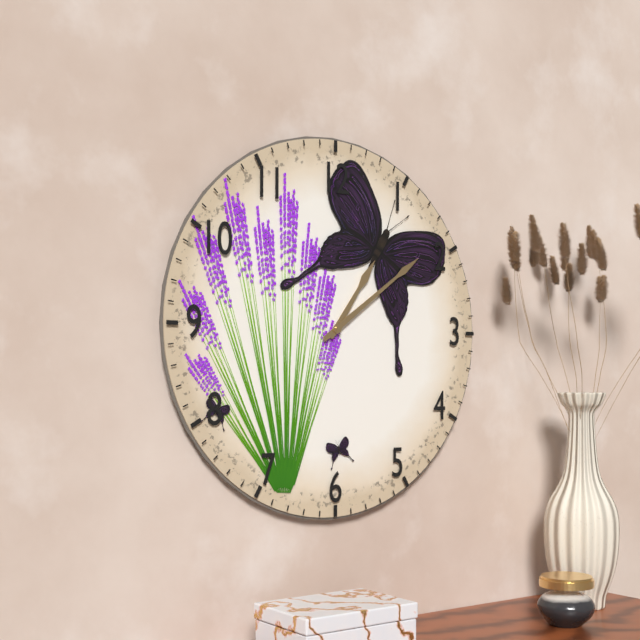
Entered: 1 h 09 min
